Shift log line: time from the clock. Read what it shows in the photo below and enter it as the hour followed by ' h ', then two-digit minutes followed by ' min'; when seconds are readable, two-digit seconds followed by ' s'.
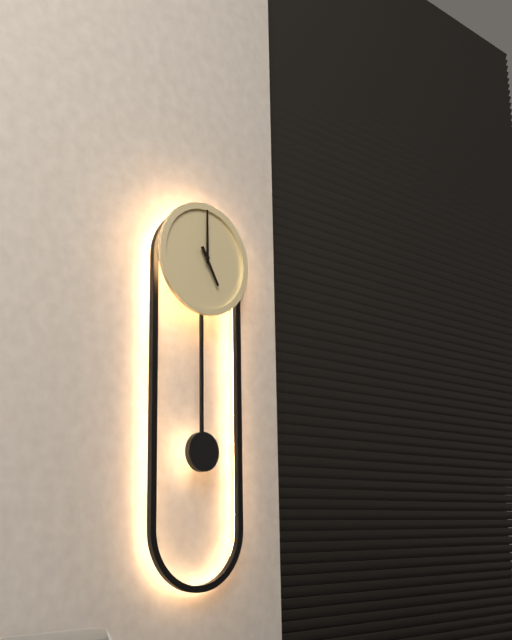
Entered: 5 h 00 min
